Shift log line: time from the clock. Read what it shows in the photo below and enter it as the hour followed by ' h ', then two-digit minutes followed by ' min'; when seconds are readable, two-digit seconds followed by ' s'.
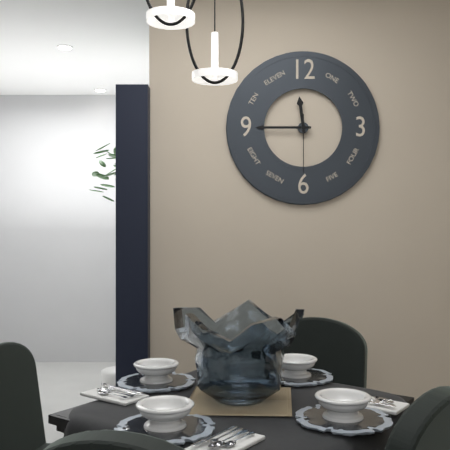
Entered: 11 h 45 min 30 s
